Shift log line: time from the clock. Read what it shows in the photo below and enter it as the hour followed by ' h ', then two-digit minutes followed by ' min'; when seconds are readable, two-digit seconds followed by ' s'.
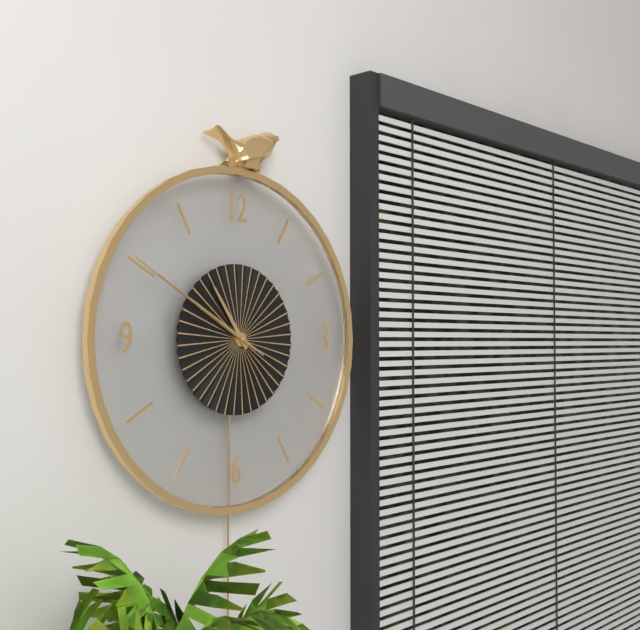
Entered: 10 h 50 min 50 s
